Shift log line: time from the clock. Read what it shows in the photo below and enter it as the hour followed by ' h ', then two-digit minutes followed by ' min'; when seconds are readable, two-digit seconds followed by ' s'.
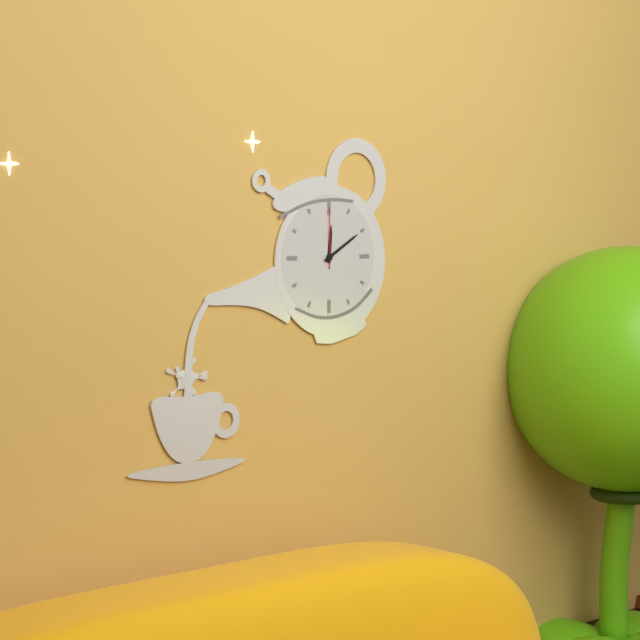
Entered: 12 h 10 min 00 s
